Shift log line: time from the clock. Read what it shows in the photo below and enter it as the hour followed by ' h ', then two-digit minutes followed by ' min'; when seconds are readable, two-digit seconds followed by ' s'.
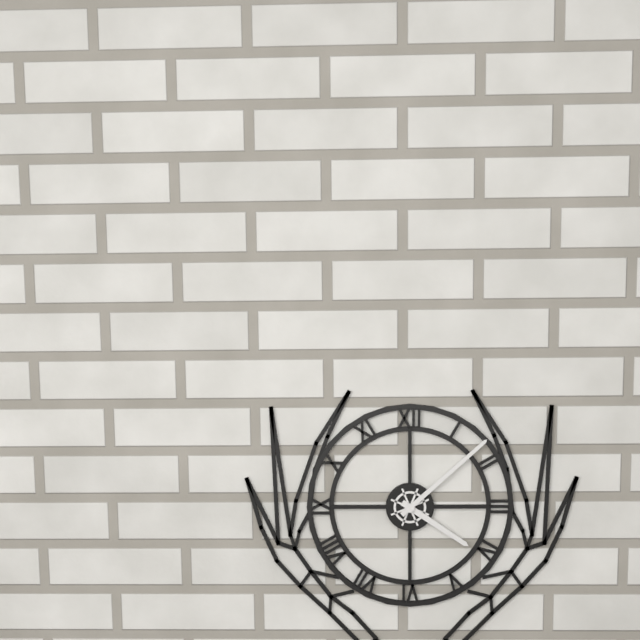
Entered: 4 h 08 min
